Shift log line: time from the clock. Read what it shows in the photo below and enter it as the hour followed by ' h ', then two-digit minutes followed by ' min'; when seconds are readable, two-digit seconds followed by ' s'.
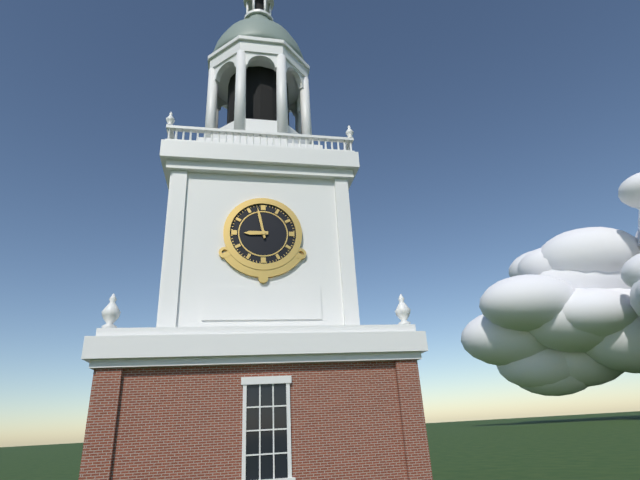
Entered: 8 h 58 min
